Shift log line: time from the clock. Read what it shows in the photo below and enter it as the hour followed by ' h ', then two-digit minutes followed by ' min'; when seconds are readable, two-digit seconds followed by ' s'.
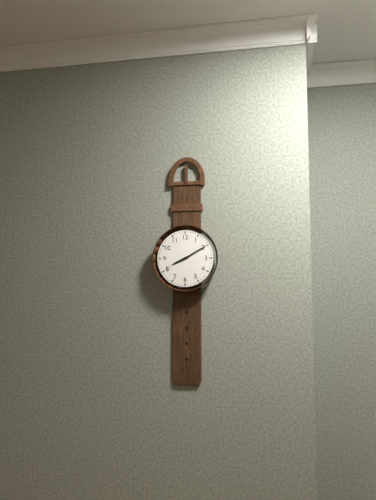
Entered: 8 h 10 min
